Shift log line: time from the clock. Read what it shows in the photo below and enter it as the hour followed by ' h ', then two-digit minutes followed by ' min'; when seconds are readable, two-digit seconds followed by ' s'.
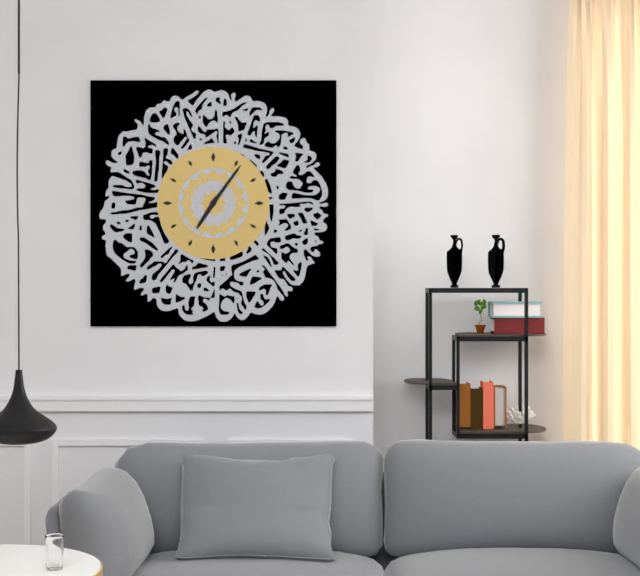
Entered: 7 h 06 min
